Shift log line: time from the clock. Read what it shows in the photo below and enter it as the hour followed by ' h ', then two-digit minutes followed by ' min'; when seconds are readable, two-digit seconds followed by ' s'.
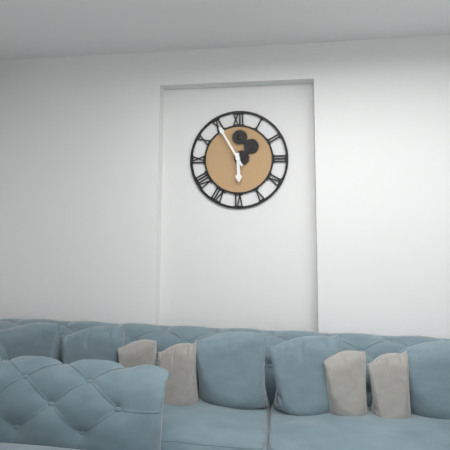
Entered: 5 h 55 min
